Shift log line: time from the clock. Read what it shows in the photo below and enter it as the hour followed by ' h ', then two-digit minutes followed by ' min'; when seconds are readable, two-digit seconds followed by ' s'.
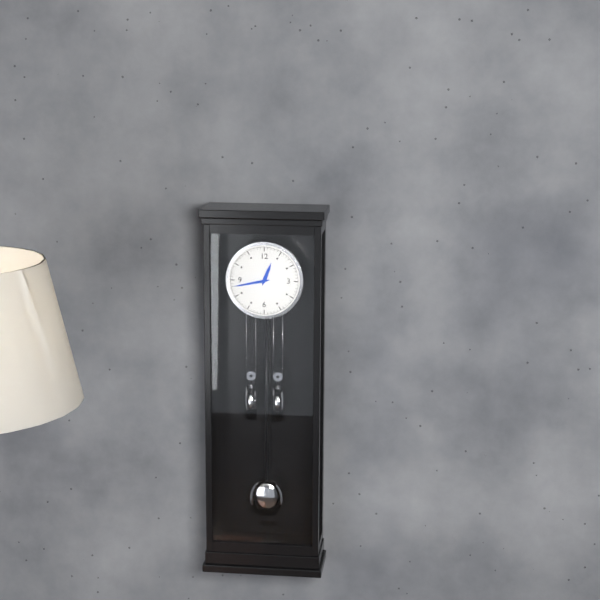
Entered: 12 h 43 min
